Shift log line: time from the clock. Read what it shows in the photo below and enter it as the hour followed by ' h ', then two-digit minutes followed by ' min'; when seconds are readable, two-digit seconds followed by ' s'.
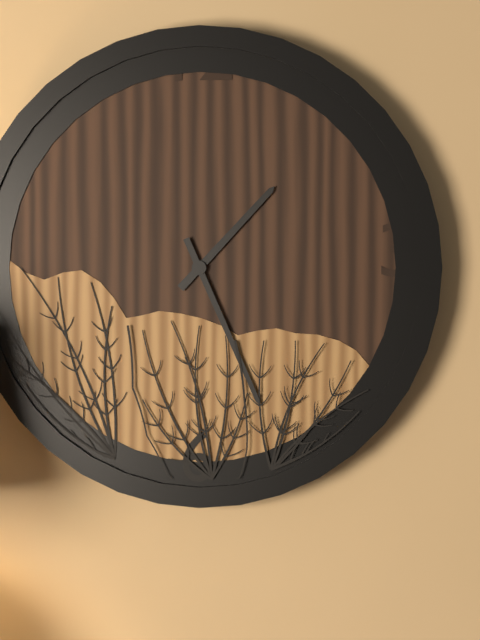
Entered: 1 h 26 min
